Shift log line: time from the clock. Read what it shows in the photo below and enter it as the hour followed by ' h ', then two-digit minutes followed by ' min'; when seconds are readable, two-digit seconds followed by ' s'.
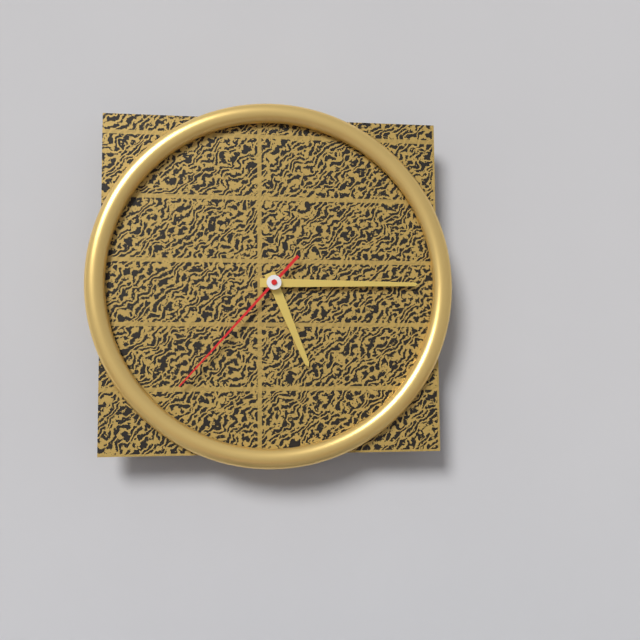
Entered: 5 h 15 min 37 s
